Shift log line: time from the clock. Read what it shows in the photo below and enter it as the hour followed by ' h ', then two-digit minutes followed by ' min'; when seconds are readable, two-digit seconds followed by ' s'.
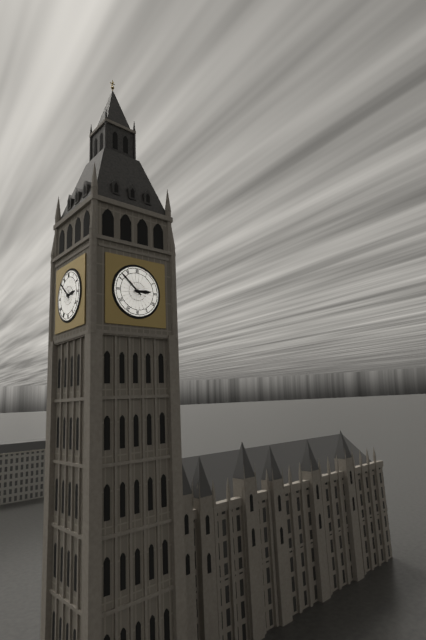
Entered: 2 h 52 min
